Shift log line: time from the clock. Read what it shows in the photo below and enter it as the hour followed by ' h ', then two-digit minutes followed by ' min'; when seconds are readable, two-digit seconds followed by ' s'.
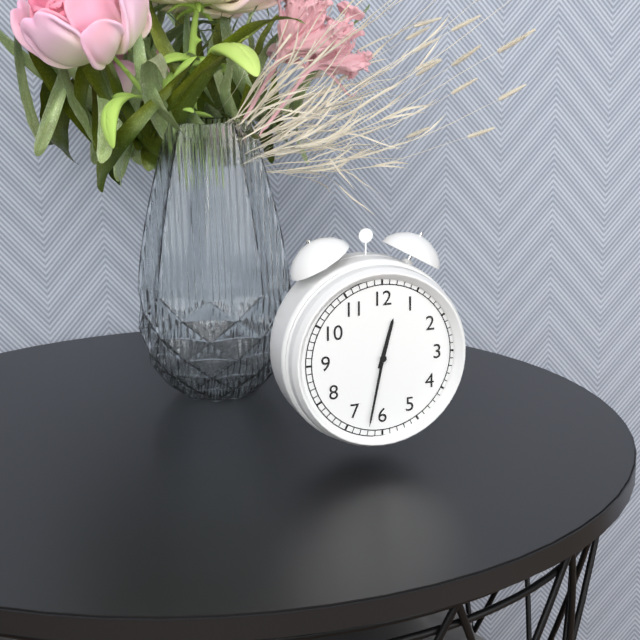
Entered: 12 h 32 min
